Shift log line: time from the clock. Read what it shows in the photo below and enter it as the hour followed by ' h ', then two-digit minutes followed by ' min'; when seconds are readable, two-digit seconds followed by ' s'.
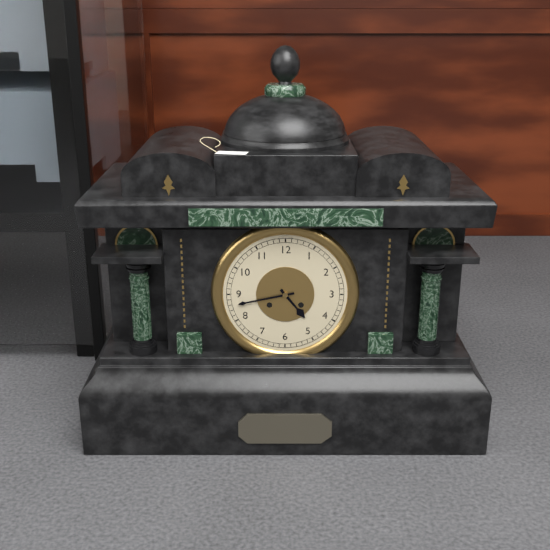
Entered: 4 h 43 min
